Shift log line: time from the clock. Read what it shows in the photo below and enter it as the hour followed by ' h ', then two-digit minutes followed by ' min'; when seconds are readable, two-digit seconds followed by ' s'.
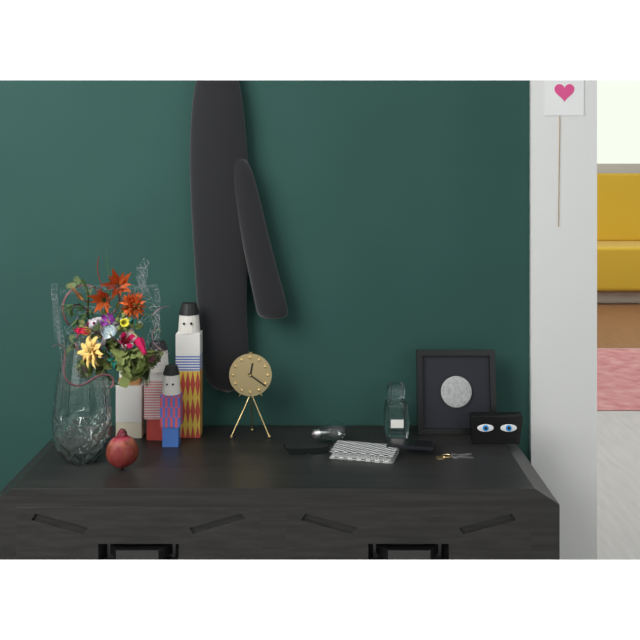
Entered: 12 h 21 min
